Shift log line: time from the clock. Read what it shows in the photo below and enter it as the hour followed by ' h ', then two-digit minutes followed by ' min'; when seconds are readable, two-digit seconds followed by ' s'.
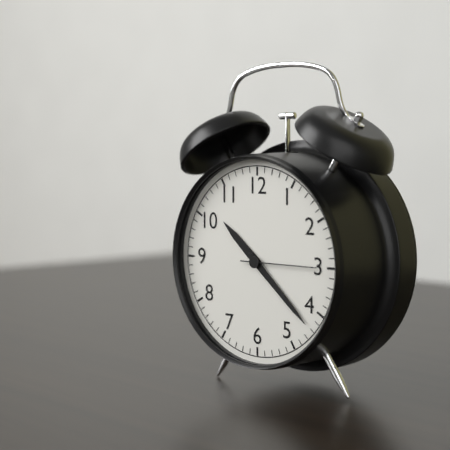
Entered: 10 h 22 min 15 s
